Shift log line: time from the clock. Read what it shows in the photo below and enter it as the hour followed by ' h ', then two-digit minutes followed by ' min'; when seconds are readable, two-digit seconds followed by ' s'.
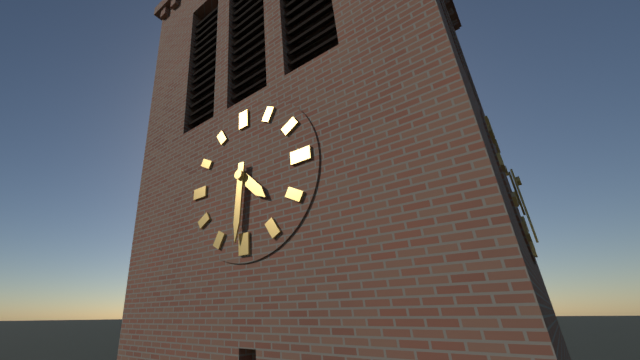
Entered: 4 h 31 min
